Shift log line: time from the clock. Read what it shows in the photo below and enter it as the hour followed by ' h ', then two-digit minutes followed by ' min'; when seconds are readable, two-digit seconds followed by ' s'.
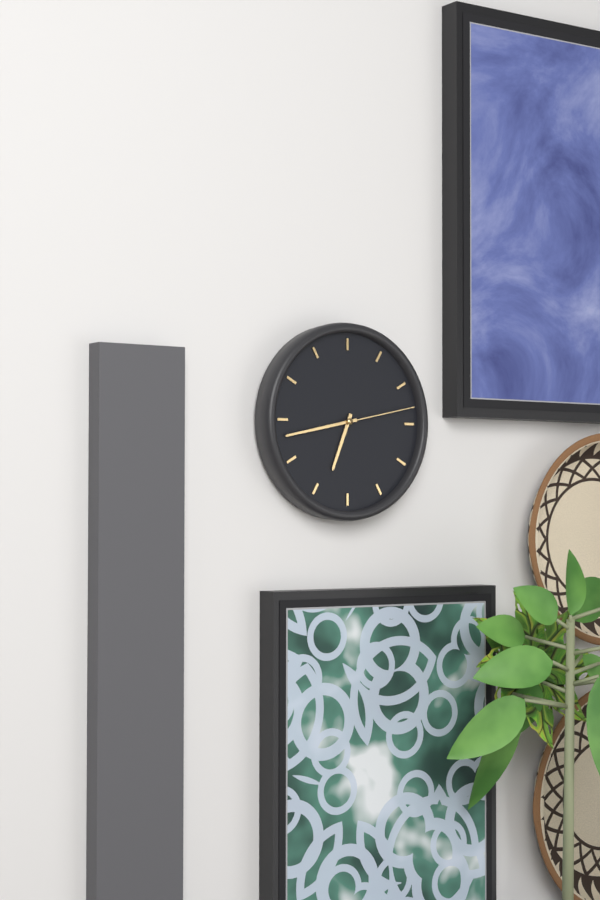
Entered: 6 h 43 min 13 s
